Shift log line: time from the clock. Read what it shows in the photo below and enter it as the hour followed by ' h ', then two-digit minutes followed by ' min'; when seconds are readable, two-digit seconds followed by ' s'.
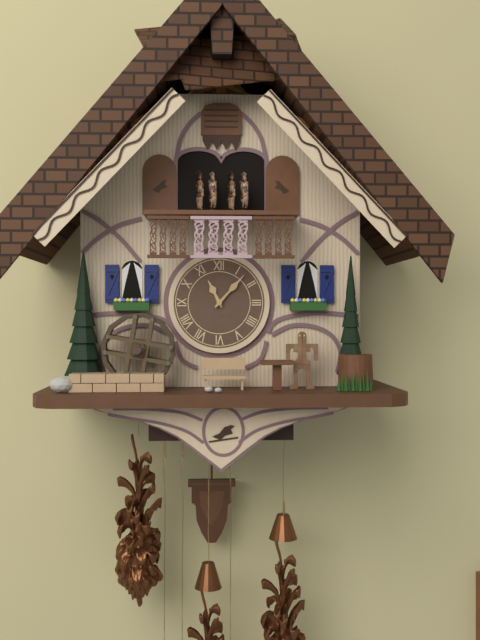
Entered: 11 h 07 min
